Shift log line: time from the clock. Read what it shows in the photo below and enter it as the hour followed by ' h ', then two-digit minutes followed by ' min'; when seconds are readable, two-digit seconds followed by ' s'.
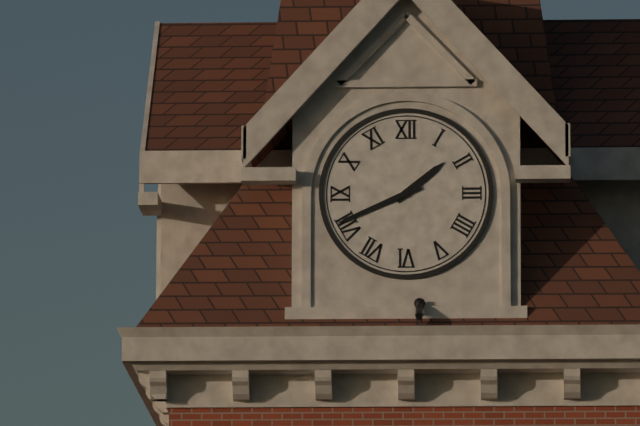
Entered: 1 h 41 min
